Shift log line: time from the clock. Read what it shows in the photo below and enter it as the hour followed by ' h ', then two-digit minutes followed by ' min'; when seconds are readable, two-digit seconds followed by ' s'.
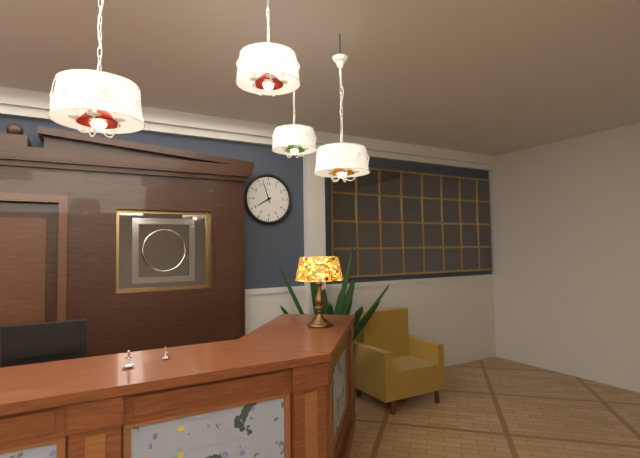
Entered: 7 h 57 min
